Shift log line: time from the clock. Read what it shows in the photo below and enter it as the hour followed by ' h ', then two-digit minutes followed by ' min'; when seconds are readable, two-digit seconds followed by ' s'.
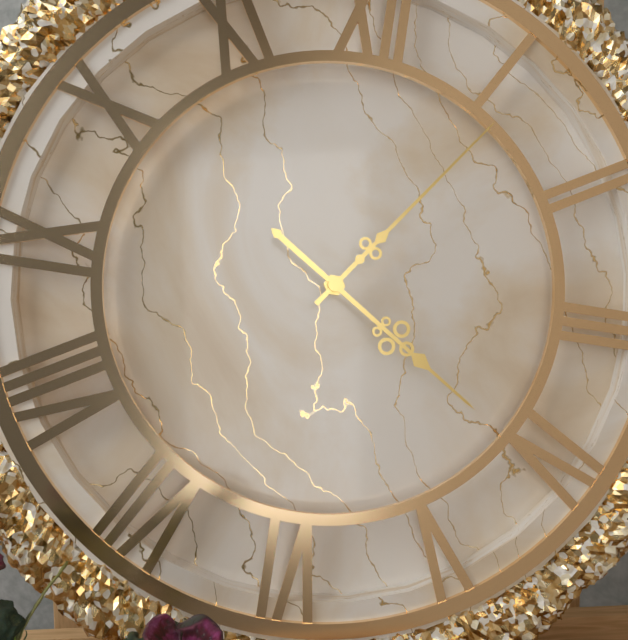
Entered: 4 h 06 min
